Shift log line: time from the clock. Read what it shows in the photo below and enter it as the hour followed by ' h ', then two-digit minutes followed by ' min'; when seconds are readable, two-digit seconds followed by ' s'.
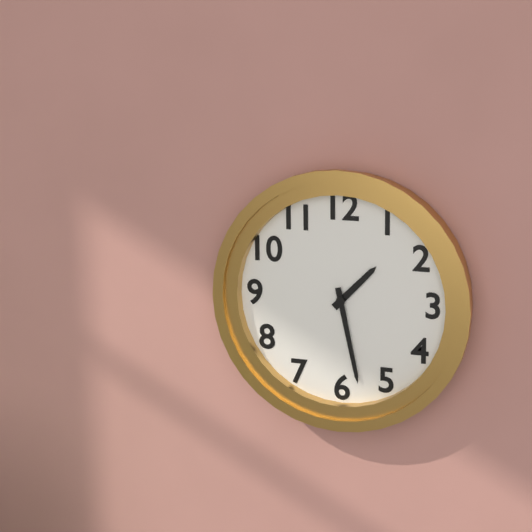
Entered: 1 h 28 min
